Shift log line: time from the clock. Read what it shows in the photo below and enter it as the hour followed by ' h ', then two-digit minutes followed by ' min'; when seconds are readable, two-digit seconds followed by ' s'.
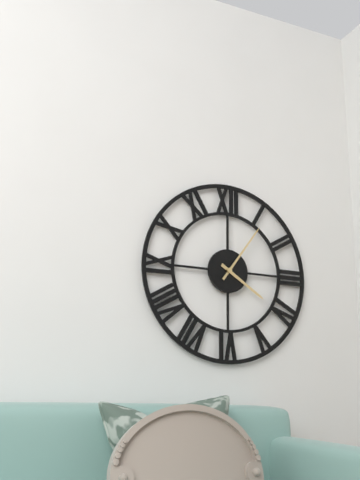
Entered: 4 h 06 min
